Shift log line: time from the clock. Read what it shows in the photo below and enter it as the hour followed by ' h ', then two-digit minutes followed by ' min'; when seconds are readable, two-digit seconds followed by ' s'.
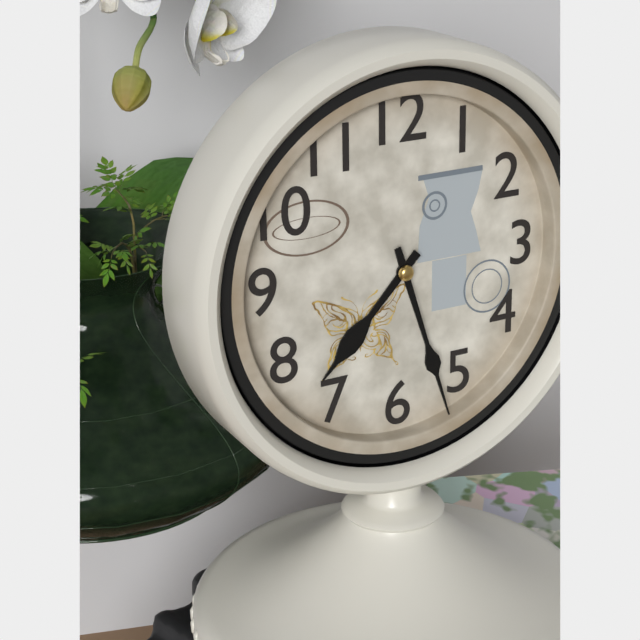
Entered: 7 h 27 min
